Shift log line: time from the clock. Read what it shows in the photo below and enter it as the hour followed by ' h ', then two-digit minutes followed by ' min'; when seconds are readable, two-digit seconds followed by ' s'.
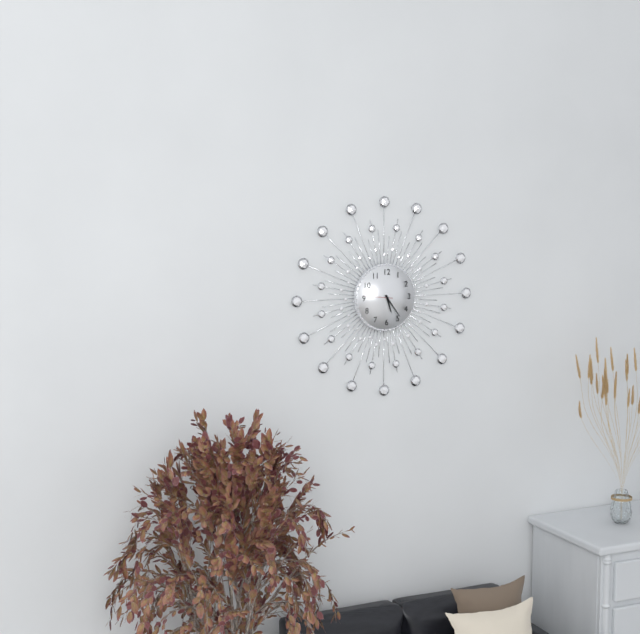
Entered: 5 h 24 min
